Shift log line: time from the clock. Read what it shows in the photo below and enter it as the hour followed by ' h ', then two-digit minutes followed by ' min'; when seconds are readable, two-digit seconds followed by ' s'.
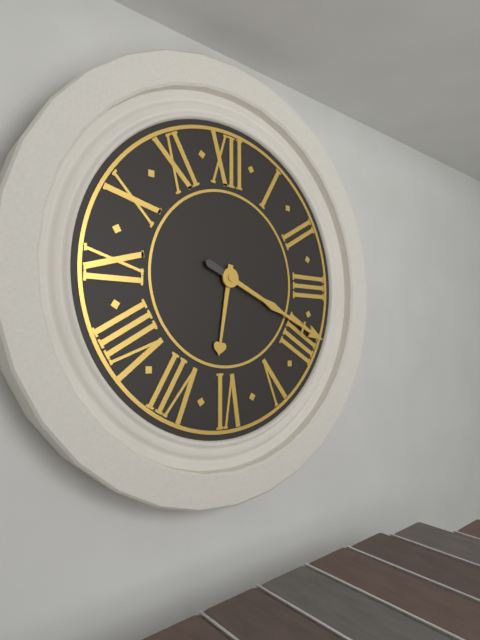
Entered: 6 h 19 min
